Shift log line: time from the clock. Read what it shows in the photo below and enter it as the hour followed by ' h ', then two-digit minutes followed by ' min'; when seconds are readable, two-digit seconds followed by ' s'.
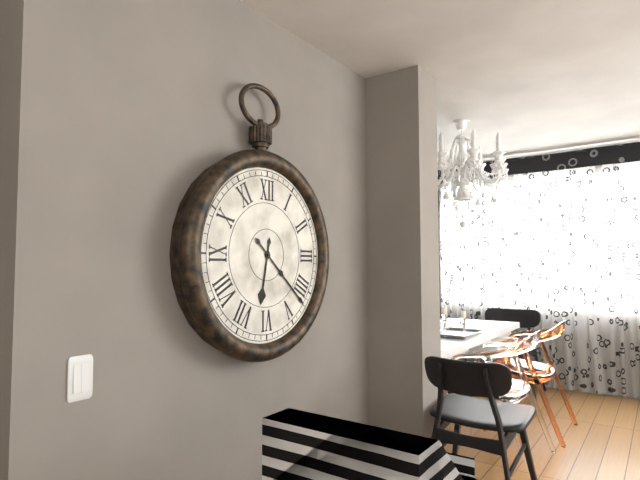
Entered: 6 h 22 min
